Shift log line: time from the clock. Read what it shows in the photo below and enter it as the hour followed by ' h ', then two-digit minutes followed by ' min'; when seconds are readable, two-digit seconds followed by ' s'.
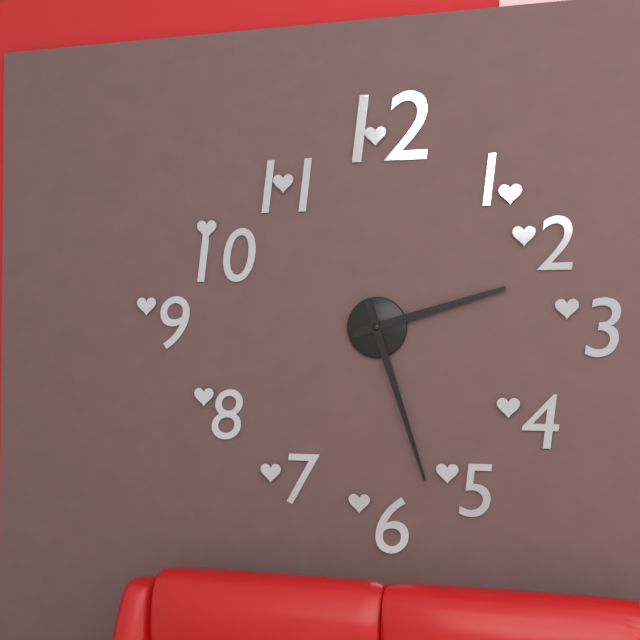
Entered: 2 h 27 min
